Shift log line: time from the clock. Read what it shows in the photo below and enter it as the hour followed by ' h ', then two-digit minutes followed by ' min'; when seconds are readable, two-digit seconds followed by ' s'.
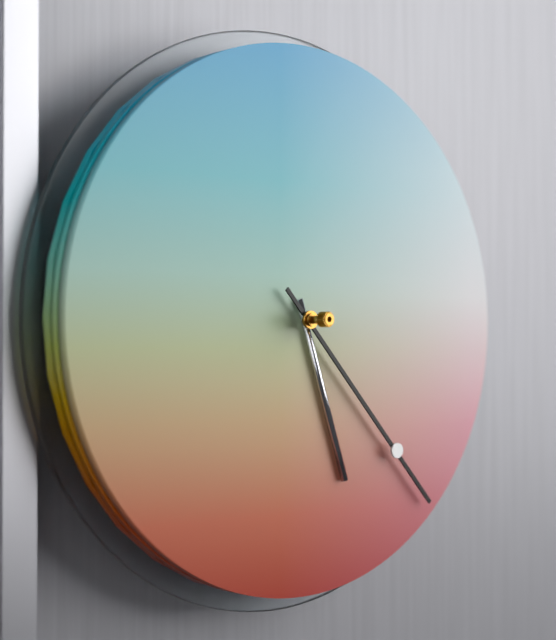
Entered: 5 h 23 min
